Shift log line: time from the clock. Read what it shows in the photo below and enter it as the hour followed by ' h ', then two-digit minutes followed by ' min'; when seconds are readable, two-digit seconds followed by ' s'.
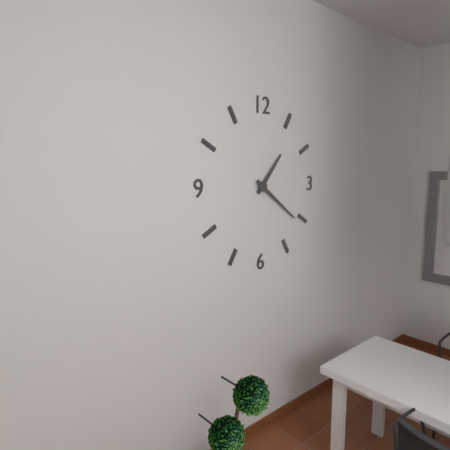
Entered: 1 h 21 min
